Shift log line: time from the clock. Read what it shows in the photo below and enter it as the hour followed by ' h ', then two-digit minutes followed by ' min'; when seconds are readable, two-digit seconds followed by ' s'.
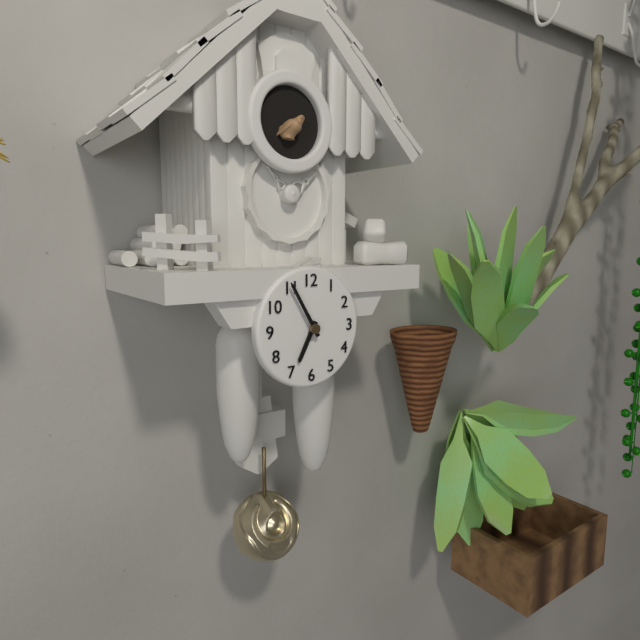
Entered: 6 h 55 min
